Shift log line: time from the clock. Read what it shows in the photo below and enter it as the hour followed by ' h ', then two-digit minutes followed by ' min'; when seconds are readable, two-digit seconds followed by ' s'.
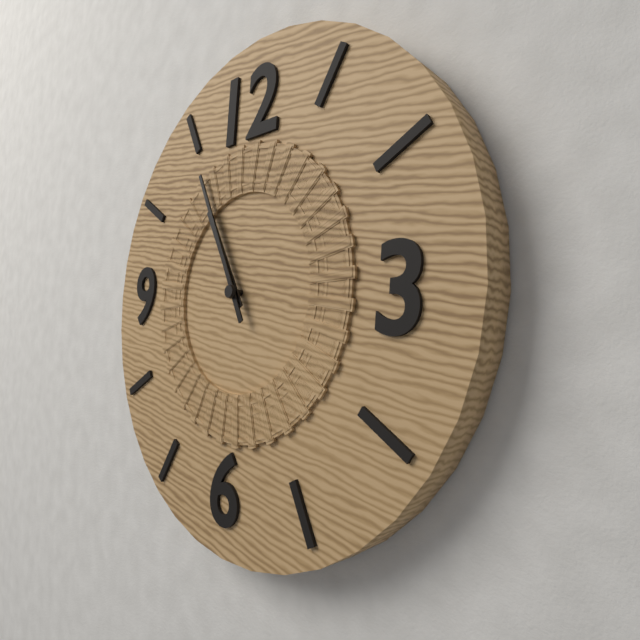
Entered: 10 h 55 min
